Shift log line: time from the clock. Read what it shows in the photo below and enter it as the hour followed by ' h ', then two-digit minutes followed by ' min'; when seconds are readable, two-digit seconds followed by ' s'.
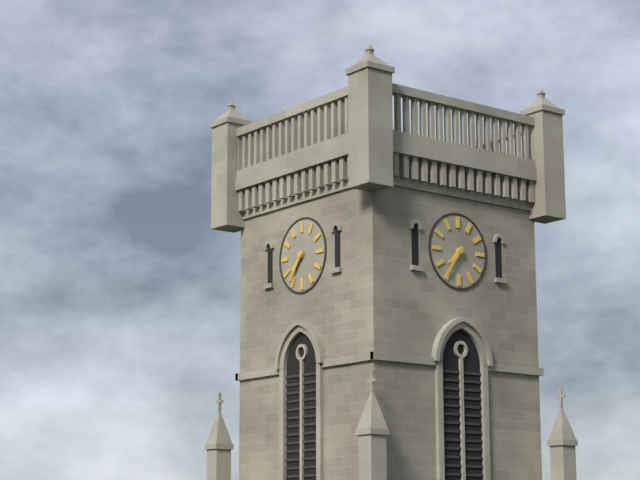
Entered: 7 h 36 min
